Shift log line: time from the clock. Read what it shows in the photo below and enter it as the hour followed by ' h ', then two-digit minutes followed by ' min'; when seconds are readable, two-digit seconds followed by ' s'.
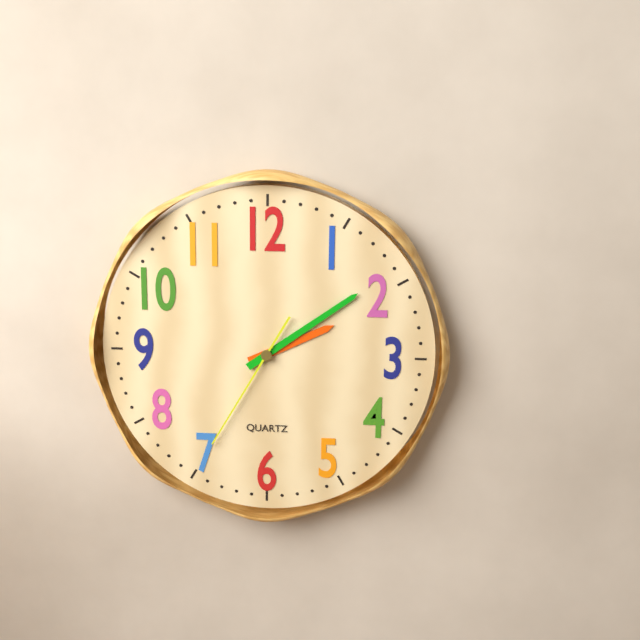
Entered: 2 h 09 min 35 s
